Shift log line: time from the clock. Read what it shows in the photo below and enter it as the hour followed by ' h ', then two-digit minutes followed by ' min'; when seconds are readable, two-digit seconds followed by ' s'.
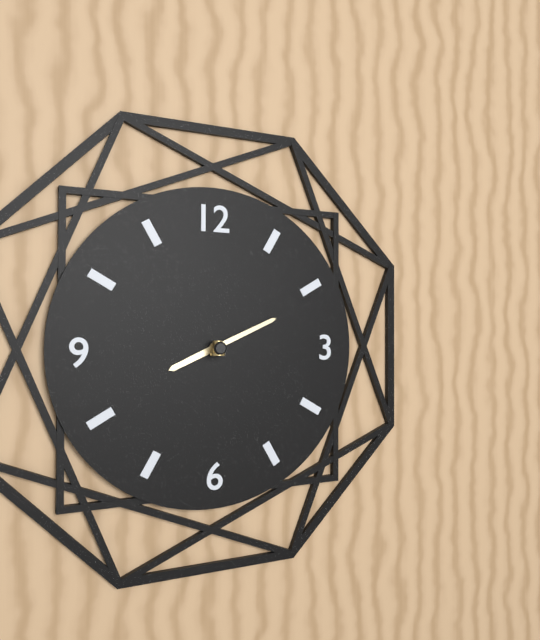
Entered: 8 h 11 min
